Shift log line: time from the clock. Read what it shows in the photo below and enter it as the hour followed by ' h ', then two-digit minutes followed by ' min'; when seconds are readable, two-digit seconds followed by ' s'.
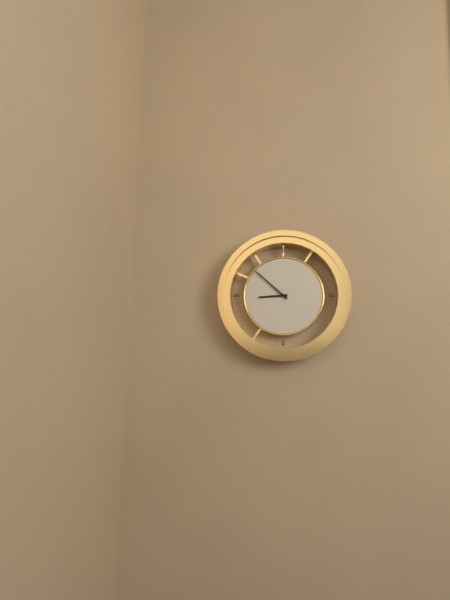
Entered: 8 h 52 min
